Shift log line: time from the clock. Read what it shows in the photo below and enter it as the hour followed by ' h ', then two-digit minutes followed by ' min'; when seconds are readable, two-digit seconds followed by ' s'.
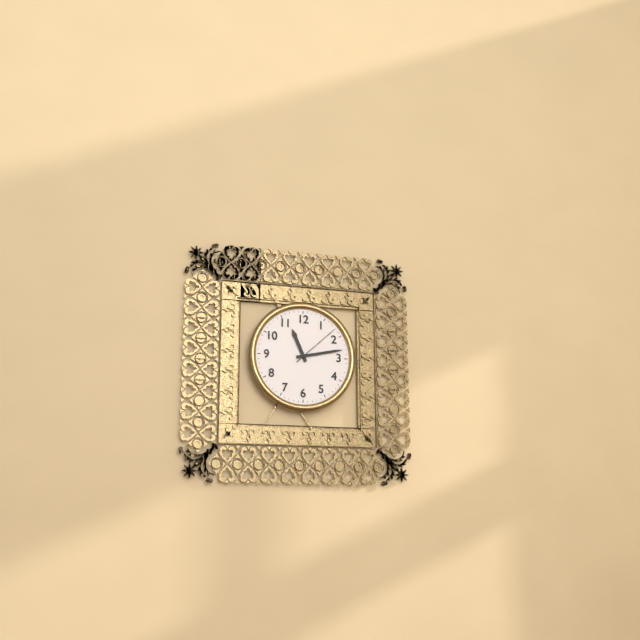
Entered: 11 h 13 min 08 s
